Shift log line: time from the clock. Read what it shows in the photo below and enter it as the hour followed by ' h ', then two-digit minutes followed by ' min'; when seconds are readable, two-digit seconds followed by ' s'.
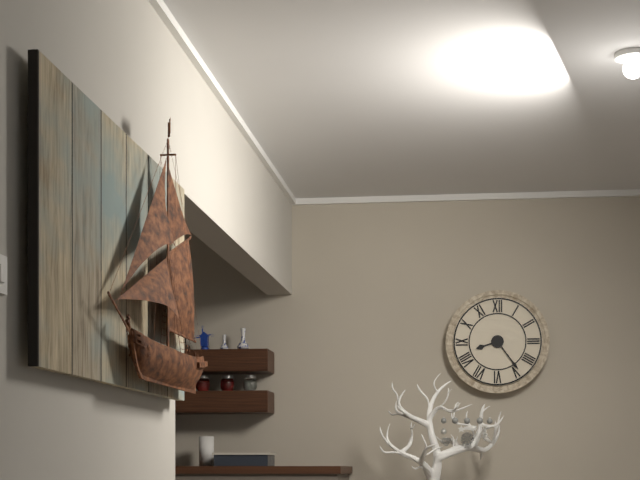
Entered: 8 h 24 min
